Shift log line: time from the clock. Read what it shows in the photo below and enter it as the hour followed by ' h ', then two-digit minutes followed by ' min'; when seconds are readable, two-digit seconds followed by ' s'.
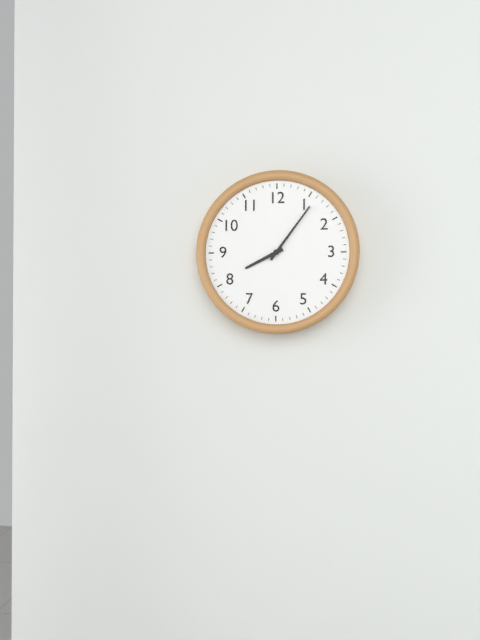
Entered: 8 h 06 min
